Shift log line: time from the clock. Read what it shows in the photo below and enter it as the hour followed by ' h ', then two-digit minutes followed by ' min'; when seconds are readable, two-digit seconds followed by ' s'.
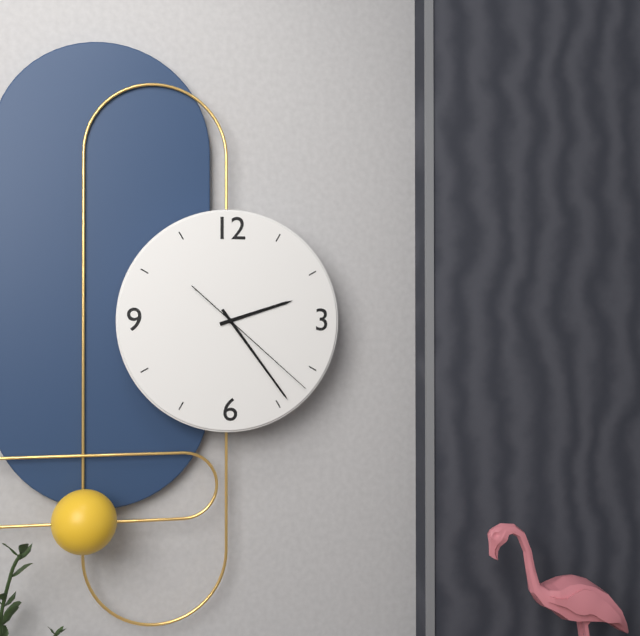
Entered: 2 h 24 min 22 s
